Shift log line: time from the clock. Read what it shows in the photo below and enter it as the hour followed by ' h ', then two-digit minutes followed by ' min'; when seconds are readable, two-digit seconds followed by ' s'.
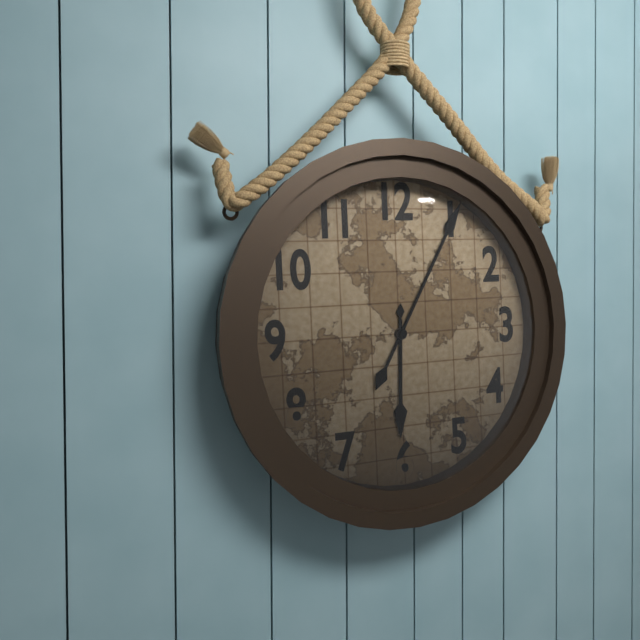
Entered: 6 h 05 min
